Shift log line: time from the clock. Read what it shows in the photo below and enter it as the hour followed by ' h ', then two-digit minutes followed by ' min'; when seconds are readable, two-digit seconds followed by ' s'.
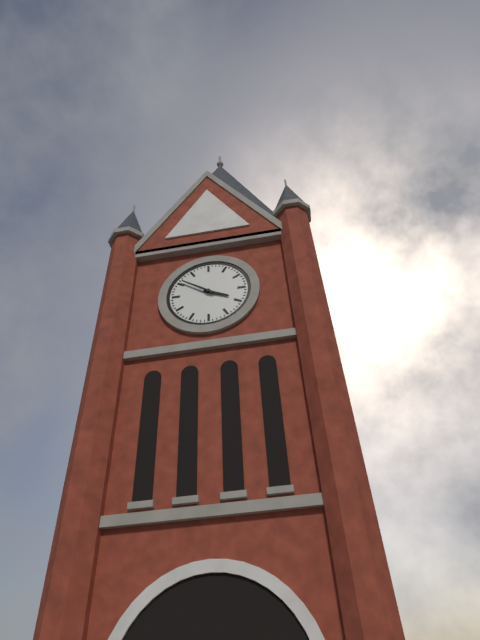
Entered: 3 h 51 min
